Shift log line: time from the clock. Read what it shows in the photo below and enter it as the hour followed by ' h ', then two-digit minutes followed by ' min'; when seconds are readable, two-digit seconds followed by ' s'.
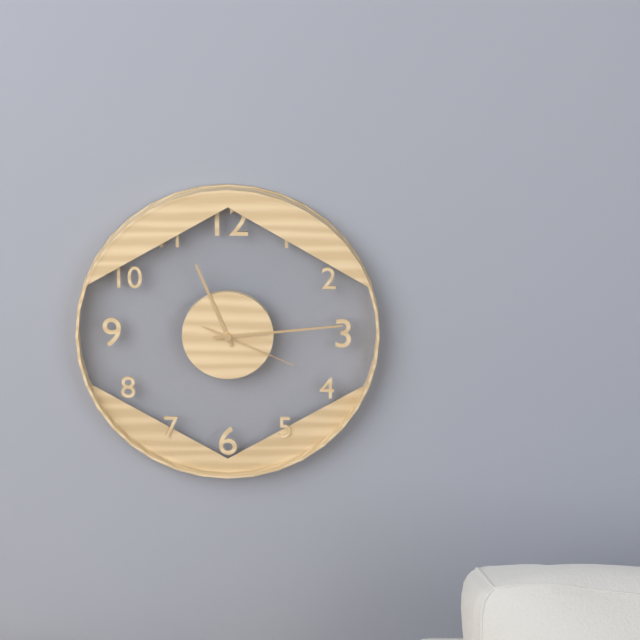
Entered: 11 h 14 min 19 s
